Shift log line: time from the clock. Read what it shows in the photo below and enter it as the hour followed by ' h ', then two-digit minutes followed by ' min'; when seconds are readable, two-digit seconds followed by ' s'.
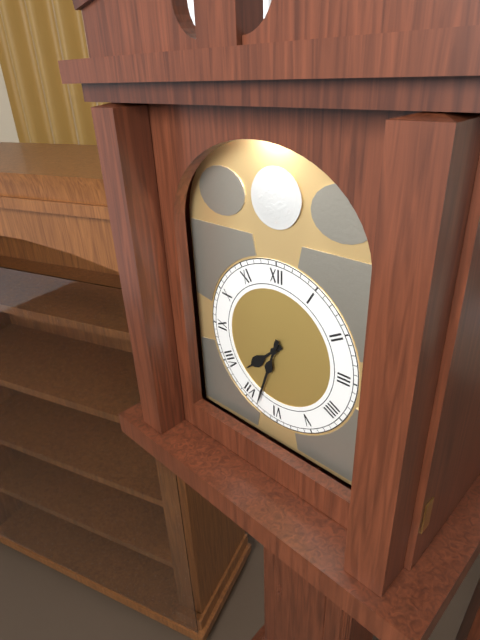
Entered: 7 h 33 min
